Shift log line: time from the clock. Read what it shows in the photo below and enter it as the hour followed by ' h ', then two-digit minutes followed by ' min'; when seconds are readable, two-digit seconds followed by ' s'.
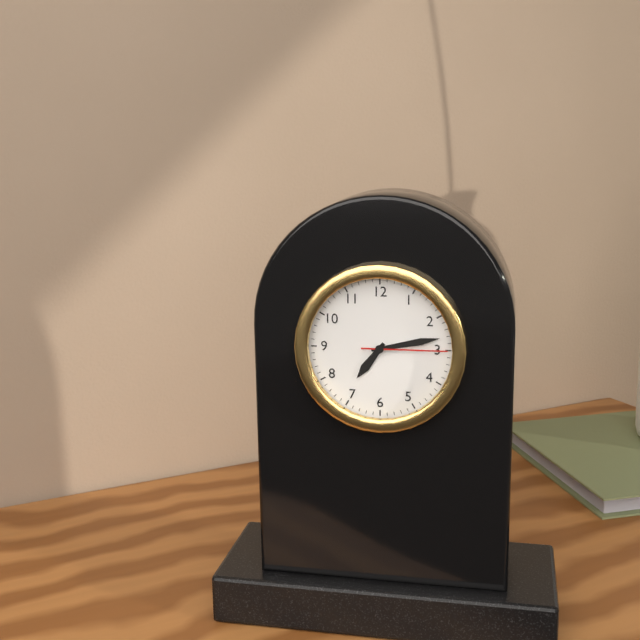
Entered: 7 h 13 min 15 s
